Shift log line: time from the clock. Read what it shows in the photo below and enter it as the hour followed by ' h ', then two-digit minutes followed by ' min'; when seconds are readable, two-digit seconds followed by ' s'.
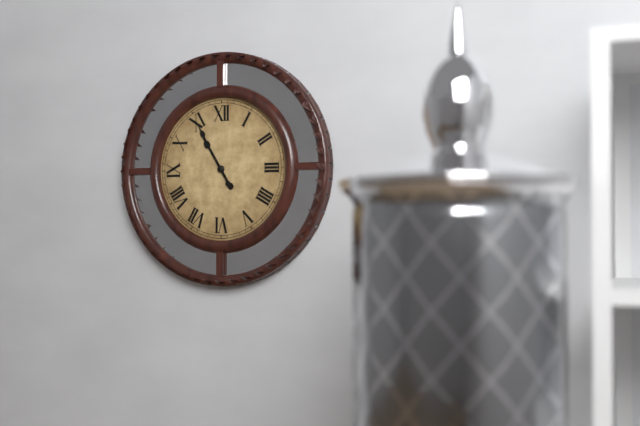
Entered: 10 h 55 min
